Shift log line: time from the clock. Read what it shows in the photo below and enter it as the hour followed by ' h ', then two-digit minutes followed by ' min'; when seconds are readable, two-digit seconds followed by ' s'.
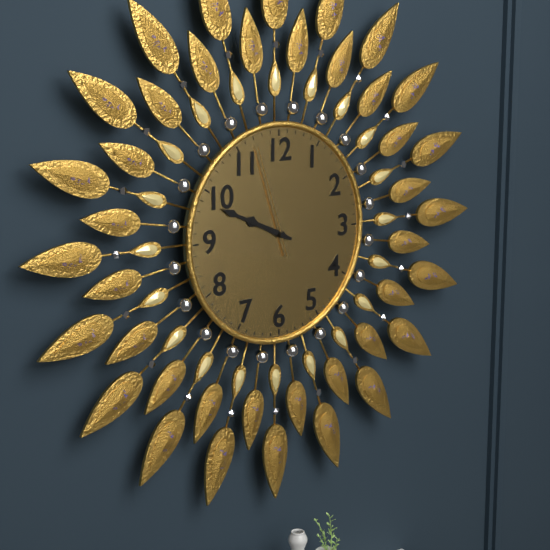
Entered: 9 h 49 min 57 s
